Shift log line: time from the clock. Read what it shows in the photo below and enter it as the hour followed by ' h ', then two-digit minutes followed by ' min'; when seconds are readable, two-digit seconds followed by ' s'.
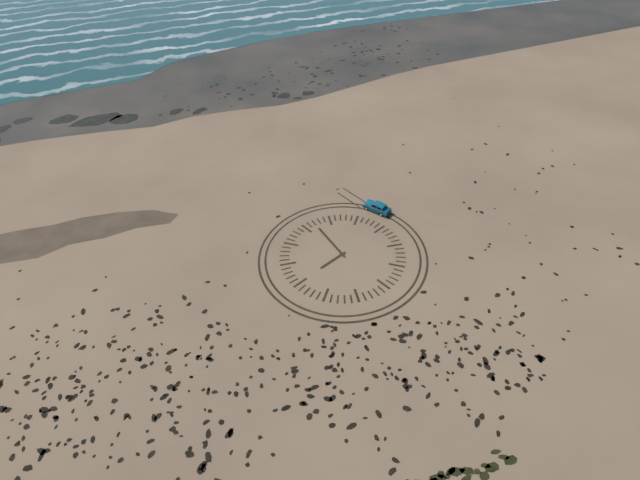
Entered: 9 h 02 min
